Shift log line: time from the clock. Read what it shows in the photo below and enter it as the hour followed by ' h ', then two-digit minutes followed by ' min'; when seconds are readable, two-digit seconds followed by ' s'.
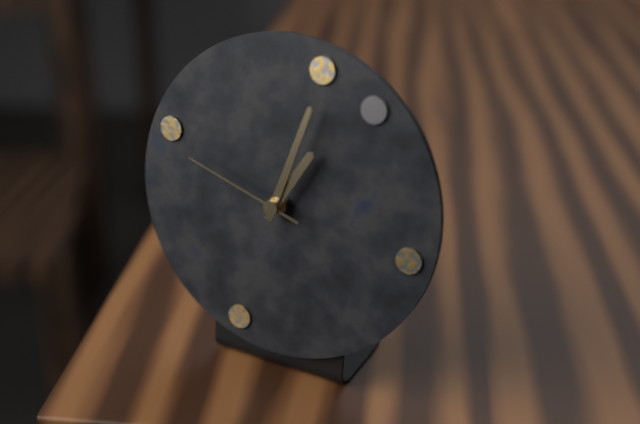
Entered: 1 h 03 min 48 s
